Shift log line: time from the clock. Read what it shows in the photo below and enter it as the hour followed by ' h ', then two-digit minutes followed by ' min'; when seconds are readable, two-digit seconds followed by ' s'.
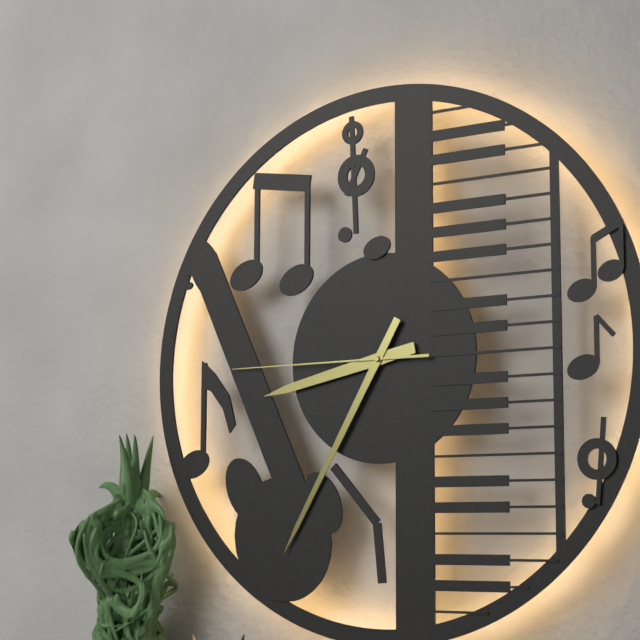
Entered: 8 h 35 min 45 s
